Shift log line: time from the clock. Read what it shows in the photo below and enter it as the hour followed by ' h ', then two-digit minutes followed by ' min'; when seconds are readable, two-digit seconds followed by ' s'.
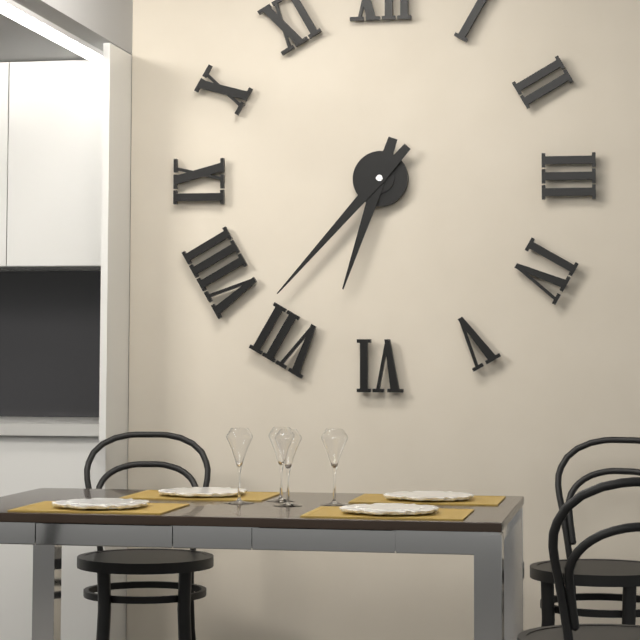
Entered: 6 h 37 min
